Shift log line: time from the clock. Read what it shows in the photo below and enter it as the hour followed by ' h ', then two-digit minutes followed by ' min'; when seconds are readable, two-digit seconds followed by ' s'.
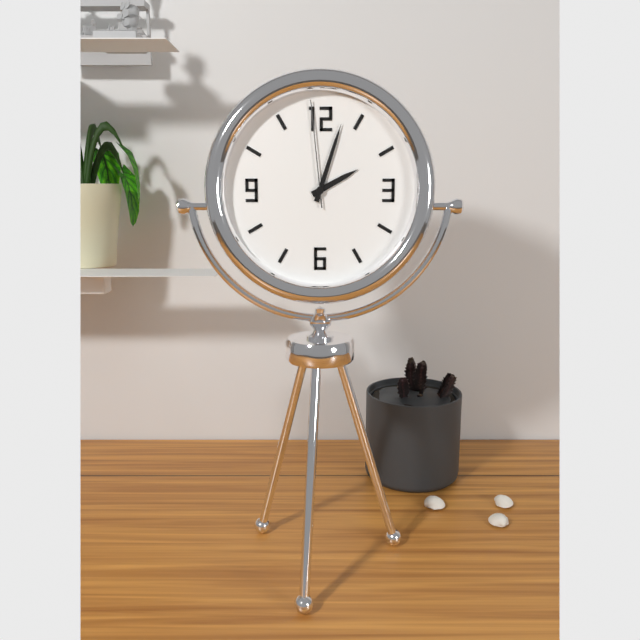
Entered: 2 h 03 min 59 s
